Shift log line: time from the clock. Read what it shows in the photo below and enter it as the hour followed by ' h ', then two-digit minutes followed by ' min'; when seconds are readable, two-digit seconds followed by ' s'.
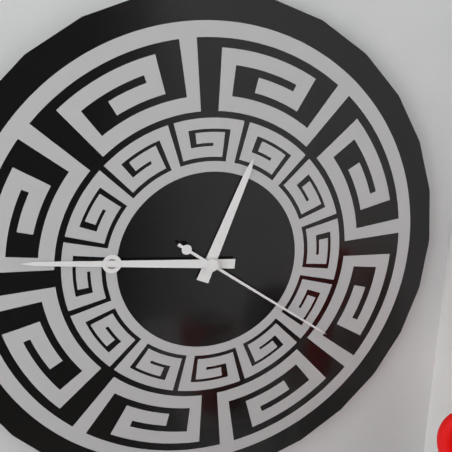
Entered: 12 h 46 min 21 s
